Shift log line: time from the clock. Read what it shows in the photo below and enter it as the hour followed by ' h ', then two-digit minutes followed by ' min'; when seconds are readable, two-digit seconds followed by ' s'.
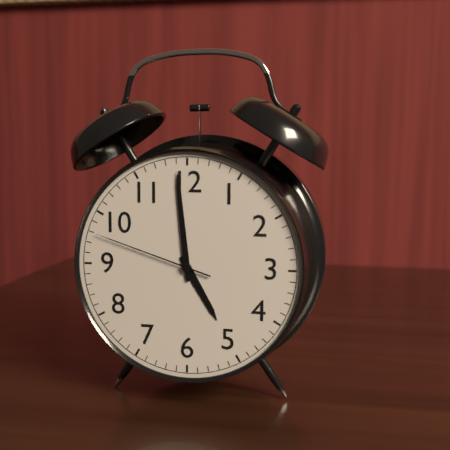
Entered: 4 h 59 min 48 s
